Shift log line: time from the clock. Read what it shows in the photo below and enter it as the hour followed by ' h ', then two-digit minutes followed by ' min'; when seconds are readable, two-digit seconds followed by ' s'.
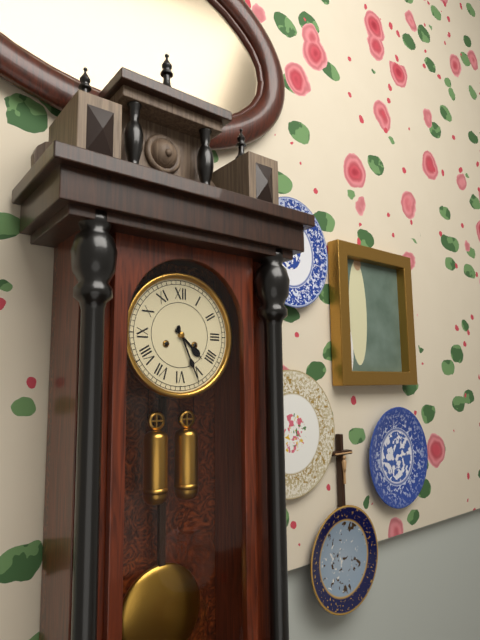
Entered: 4 h 26 min
